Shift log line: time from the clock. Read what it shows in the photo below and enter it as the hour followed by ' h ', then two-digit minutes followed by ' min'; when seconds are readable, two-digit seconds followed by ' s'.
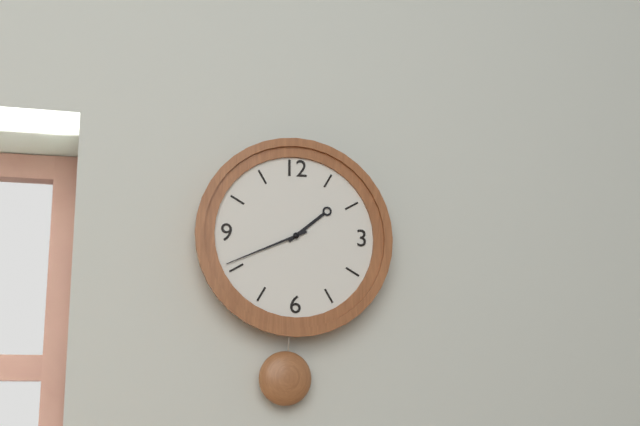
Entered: 1 h 41 min
